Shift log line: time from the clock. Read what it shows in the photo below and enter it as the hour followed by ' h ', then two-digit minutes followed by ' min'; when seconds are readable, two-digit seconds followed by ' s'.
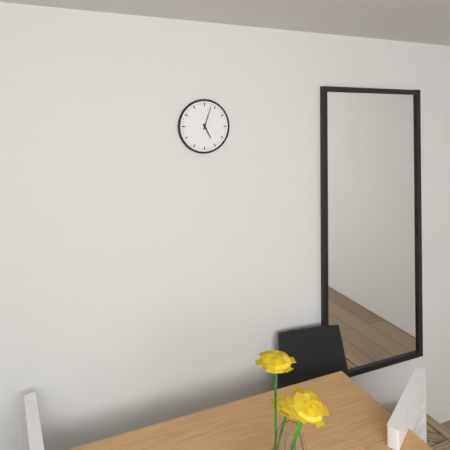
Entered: 5 h 03 min
